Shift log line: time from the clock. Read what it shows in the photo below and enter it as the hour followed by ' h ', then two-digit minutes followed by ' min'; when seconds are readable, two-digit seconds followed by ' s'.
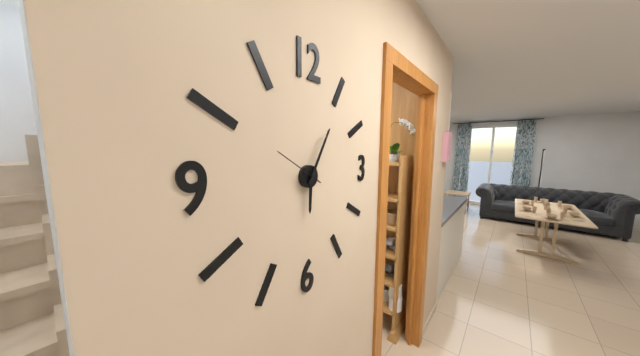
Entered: 6 h 05 min 50 s
